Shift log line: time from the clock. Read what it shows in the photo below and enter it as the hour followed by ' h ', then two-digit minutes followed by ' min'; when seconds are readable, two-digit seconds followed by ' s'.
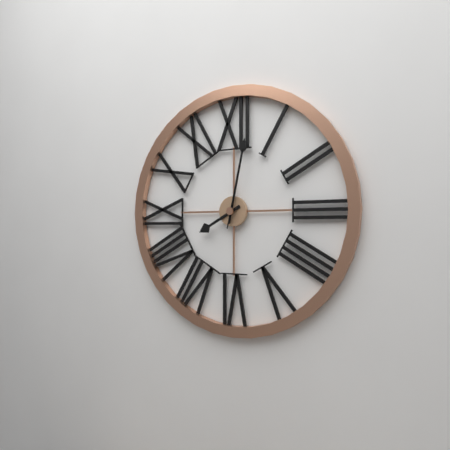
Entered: 8 h 02 min 02 s
